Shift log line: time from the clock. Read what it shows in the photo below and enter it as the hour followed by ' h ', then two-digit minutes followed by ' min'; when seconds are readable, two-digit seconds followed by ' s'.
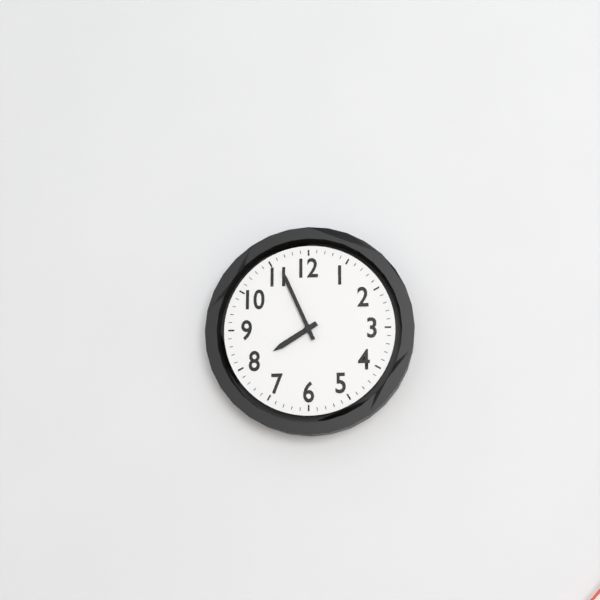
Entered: 7 h 56 min
